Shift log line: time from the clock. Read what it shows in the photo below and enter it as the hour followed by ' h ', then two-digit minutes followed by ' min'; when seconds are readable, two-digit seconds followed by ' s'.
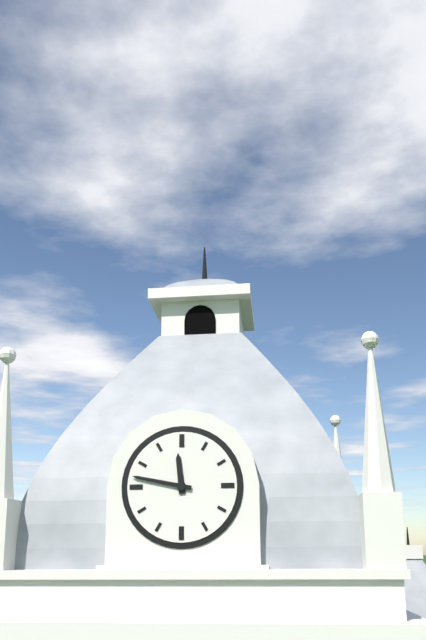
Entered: 11 h 47 min
